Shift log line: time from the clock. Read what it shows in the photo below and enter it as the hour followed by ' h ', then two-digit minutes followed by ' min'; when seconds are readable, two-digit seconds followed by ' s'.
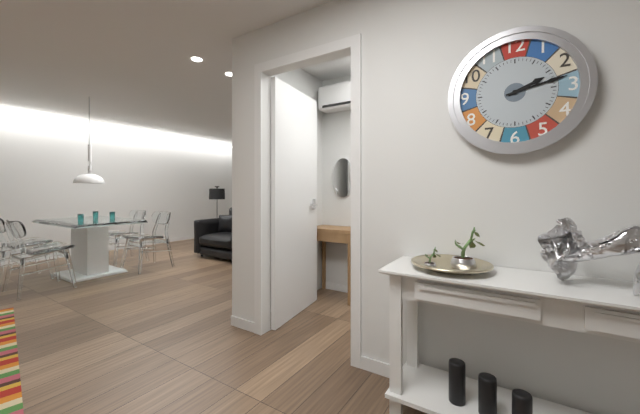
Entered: 2 h 13 min
